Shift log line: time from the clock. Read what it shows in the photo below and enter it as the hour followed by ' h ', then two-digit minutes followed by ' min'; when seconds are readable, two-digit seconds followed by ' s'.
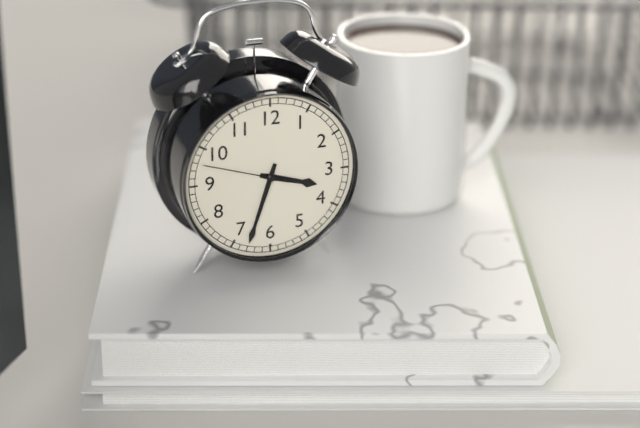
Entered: 3 h 33 min 48 s
